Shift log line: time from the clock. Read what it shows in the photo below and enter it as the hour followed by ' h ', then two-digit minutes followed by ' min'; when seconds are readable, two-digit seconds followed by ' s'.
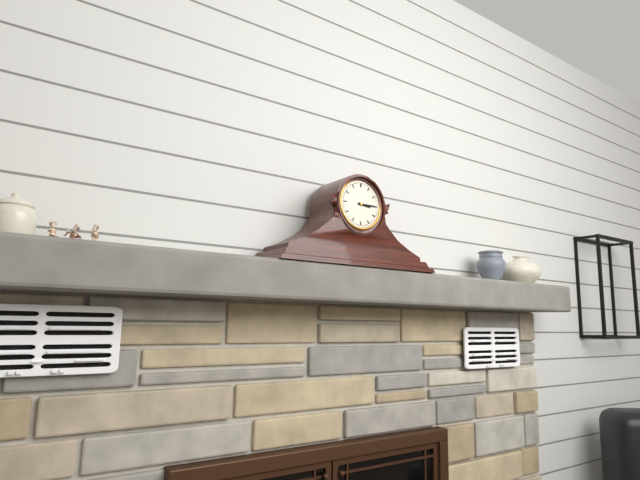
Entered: 3 h 15 min
